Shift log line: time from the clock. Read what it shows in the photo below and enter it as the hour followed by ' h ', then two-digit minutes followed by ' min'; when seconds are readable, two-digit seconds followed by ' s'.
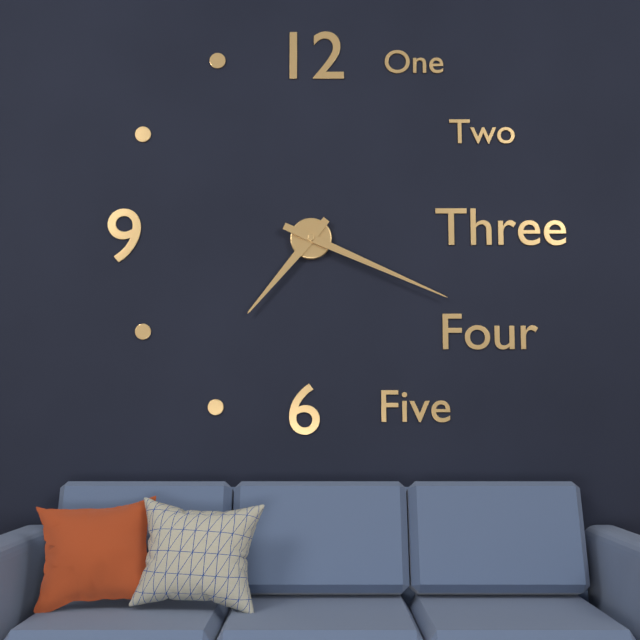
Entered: 7 h 19 min
